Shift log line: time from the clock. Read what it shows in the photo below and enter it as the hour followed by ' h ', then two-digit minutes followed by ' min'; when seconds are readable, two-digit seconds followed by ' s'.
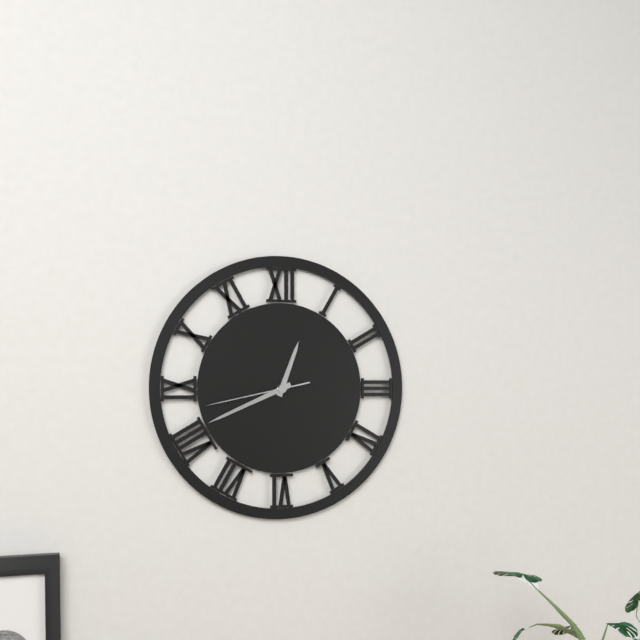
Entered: 12 h 41 min 43 s
